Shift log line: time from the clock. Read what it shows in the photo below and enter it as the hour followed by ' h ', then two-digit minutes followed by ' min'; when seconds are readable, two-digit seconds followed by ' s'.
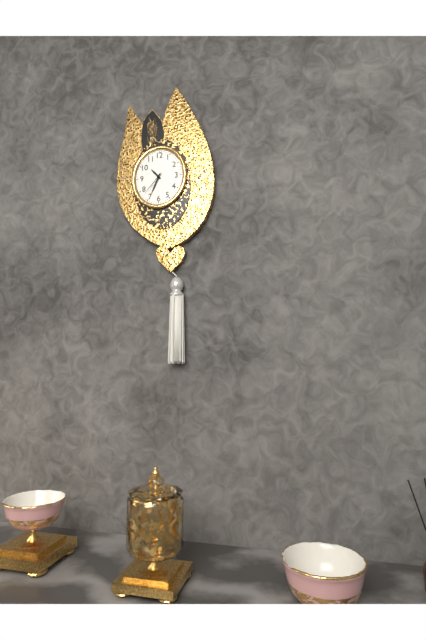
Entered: 10 h 34 min
